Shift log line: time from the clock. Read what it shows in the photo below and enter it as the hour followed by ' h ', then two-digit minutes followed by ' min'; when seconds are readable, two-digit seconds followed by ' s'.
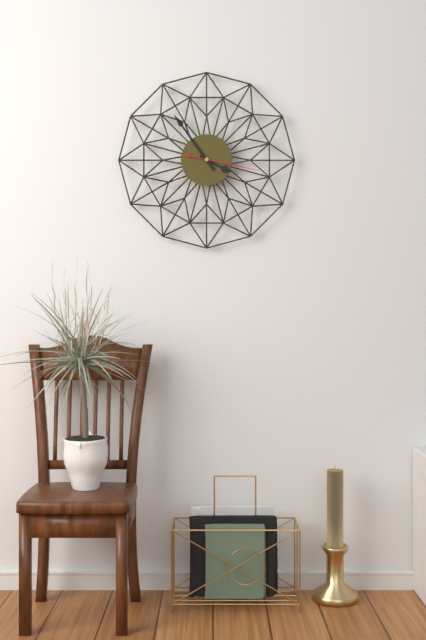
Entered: 3 h 54 min 17 s
